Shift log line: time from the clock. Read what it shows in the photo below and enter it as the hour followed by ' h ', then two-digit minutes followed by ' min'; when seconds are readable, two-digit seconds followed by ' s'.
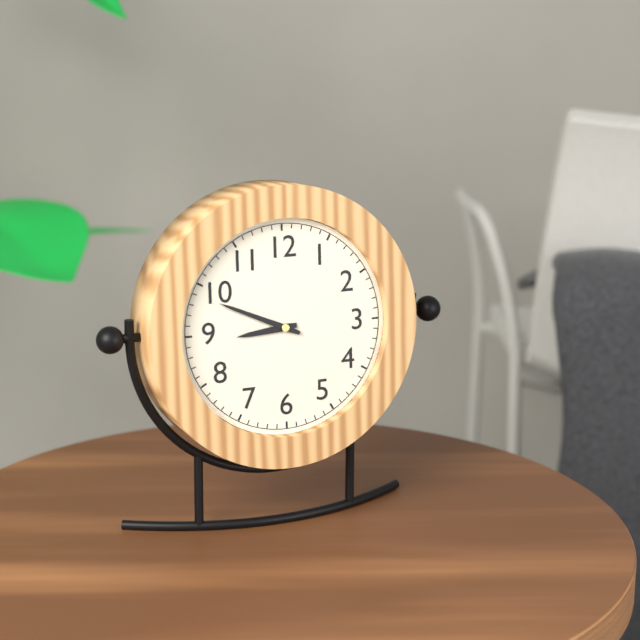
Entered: 8 h 49 min
